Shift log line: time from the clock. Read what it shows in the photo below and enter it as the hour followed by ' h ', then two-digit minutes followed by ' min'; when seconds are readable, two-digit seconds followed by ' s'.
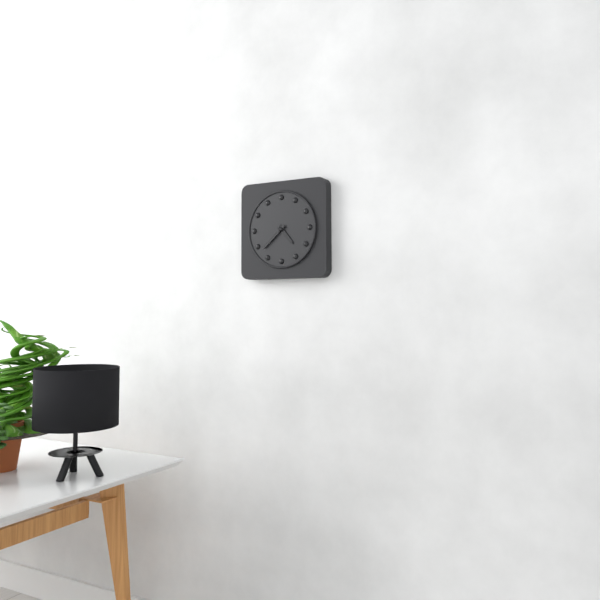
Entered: 4 h 38 min
